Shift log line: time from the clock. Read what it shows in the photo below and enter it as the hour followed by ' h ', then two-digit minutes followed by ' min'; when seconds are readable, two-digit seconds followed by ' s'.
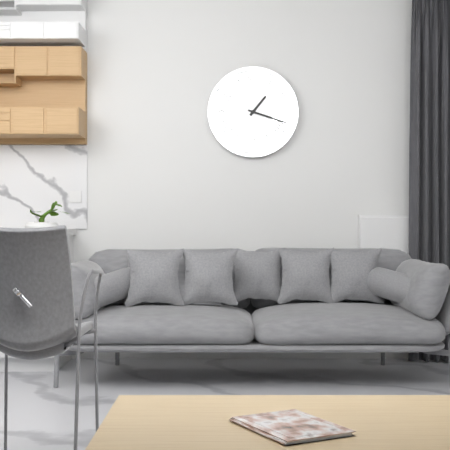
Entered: 1 h 18 min
